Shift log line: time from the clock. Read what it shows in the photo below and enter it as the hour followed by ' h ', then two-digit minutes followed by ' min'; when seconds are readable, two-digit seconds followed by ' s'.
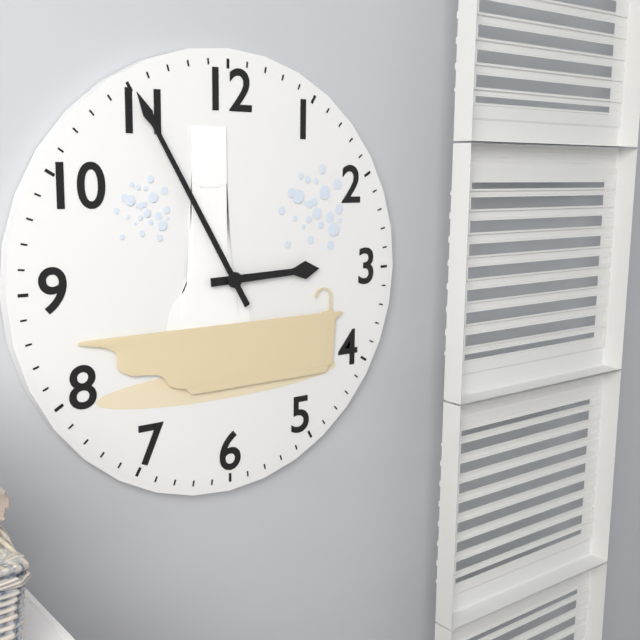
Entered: 2 h 55 min
